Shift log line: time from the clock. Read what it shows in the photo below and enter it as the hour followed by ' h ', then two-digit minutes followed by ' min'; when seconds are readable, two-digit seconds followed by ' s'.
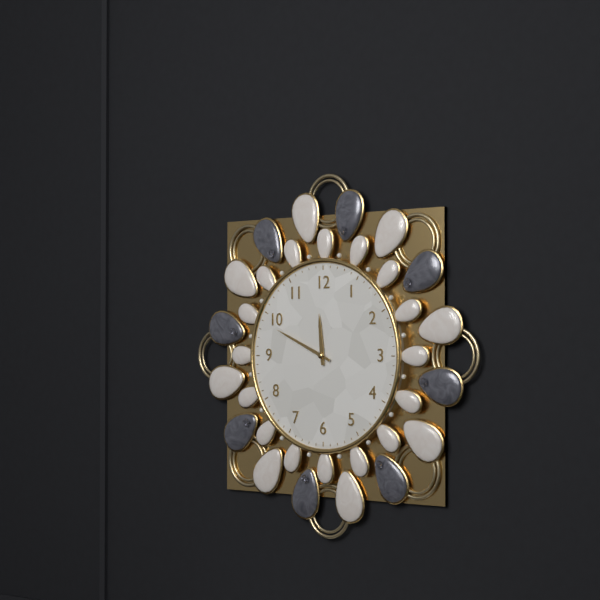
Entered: 11 h 49 min
